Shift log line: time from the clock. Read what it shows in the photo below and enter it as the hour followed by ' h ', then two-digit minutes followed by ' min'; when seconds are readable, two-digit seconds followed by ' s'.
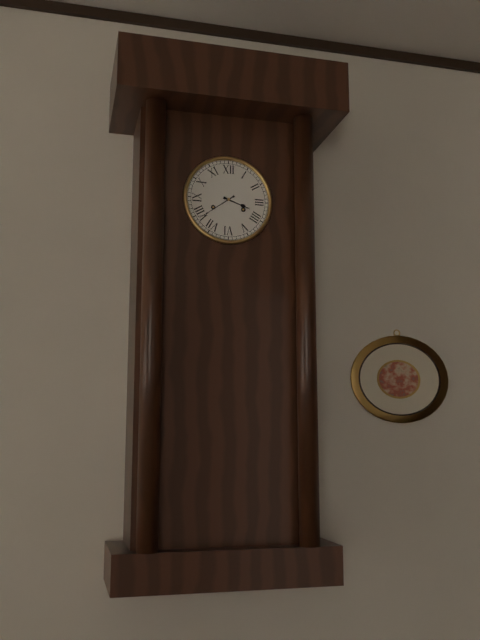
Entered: 3 h 39 min
